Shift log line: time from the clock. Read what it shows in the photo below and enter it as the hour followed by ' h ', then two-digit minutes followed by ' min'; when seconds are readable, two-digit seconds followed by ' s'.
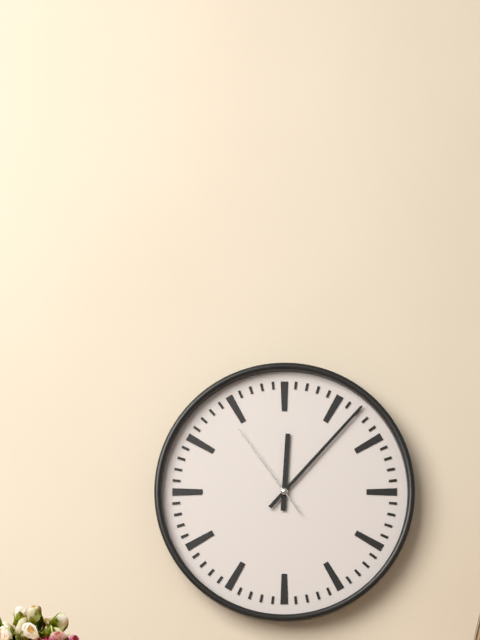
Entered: 12 h 07 min 54 s
